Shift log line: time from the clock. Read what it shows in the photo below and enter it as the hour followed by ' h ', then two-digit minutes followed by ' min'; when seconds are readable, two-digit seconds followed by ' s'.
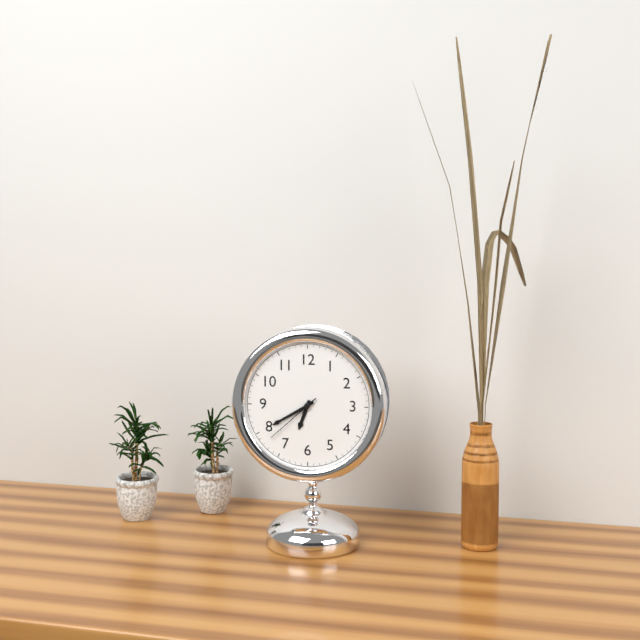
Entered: 6 h 40 min 38 s
